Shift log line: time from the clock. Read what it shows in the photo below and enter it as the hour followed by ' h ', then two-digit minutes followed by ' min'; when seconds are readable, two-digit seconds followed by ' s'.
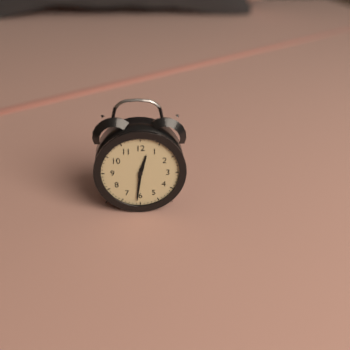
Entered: 12 h 31 min
